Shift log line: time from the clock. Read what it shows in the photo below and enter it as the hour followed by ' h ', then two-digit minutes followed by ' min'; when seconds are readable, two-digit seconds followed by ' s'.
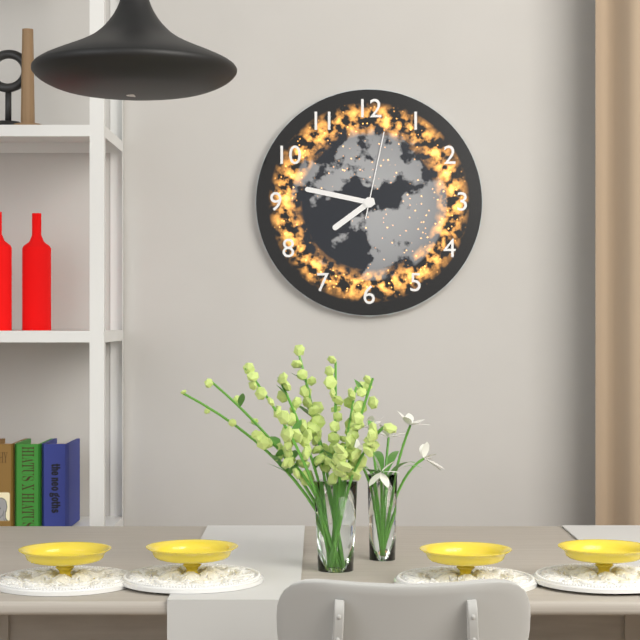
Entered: 7 h 47 min 02 s
